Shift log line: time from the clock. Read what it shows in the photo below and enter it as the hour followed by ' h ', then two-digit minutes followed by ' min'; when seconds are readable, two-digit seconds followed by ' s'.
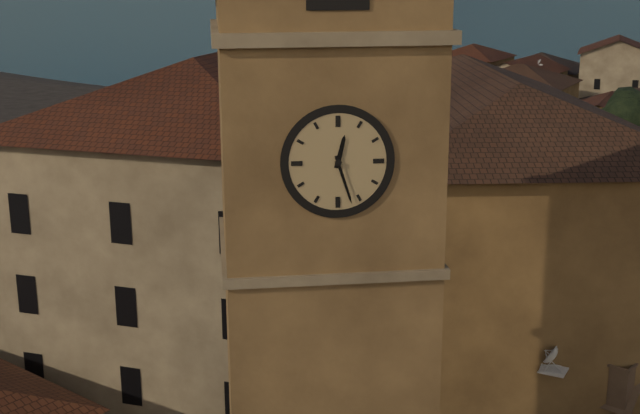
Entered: 12 h 27 min
